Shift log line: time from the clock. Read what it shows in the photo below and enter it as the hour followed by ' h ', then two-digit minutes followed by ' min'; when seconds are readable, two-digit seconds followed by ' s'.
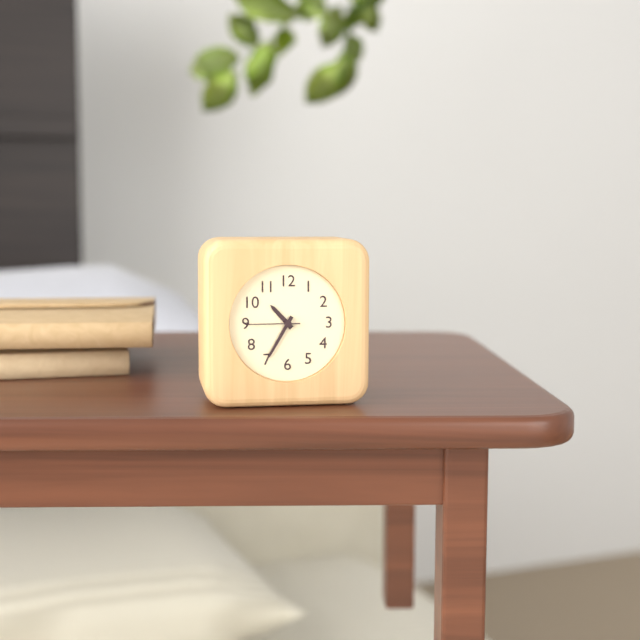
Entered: 10 h 35 min 45 s
